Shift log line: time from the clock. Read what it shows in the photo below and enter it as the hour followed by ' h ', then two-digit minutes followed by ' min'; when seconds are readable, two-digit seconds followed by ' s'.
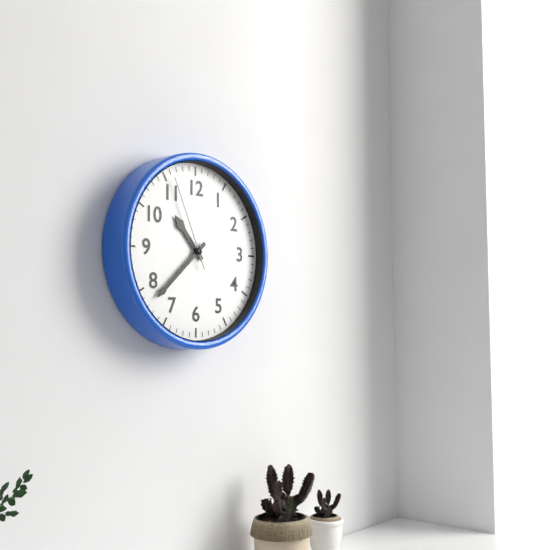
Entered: 10 h 38 min 56 s
